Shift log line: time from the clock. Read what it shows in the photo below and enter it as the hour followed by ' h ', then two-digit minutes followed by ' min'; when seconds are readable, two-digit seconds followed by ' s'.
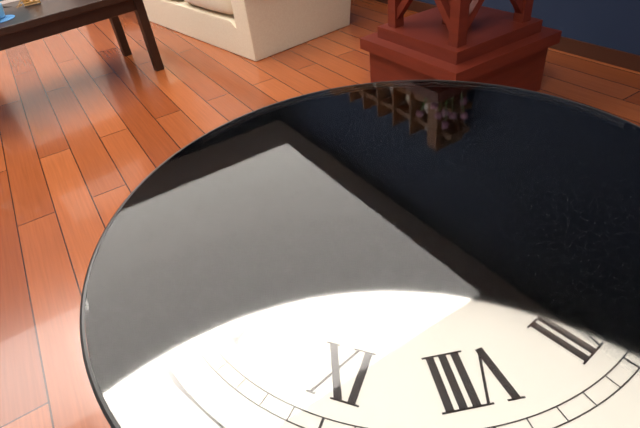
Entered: 3 h 50 min
